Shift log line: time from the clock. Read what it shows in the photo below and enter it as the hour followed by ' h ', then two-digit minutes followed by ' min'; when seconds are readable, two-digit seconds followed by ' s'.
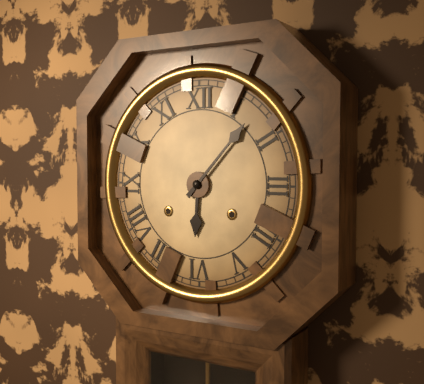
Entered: 6 h 07 min
